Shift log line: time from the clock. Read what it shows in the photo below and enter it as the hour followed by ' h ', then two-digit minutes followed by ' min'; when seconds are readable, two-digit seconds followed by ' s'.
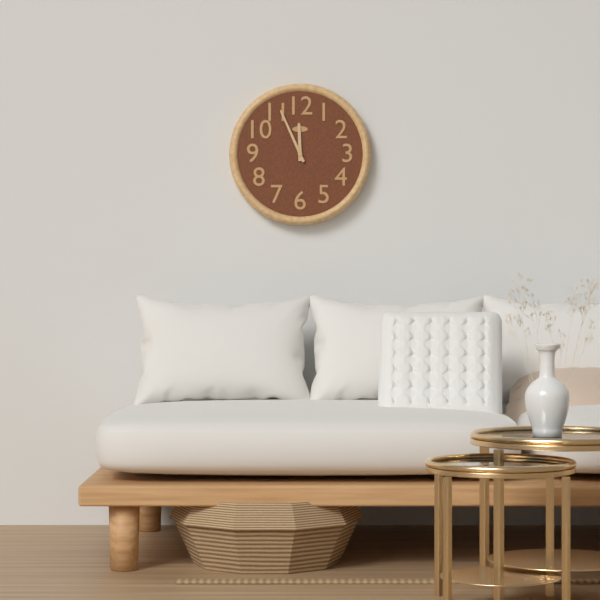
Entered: 11 h 56 min
